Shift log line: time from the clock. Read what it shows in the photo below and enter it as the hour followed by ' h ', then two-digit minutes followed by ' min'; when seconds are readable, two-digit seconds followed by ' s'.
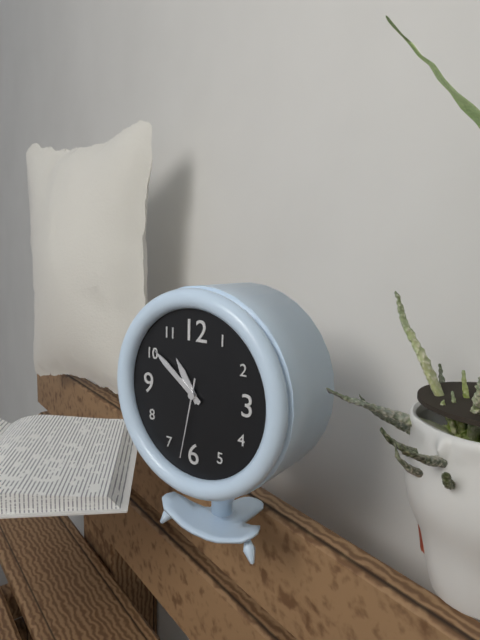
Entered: 10 h 51 min 32 s
